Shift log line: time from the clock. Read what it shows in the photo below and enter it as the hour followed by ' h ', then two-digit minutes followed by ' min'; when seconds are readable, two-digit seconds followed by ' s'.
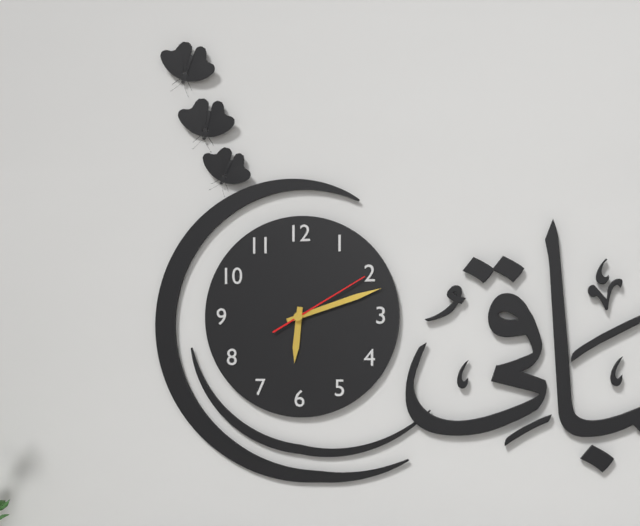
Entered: 6 h 12 min 10 s
